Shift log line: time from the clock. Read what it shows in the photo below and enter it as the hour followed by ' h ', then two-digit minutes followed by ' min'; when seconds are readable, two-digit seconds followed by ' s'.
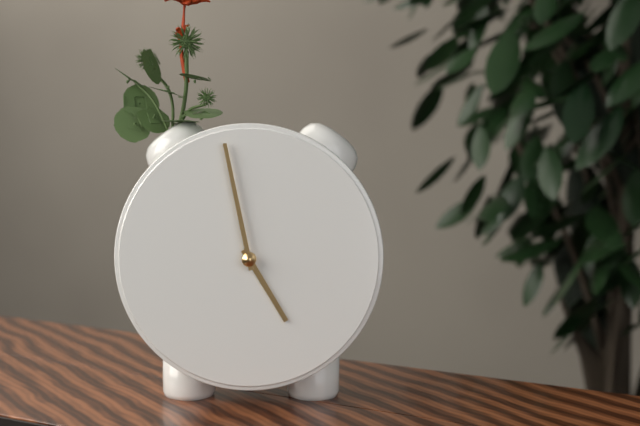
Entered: 4 h 58 min
